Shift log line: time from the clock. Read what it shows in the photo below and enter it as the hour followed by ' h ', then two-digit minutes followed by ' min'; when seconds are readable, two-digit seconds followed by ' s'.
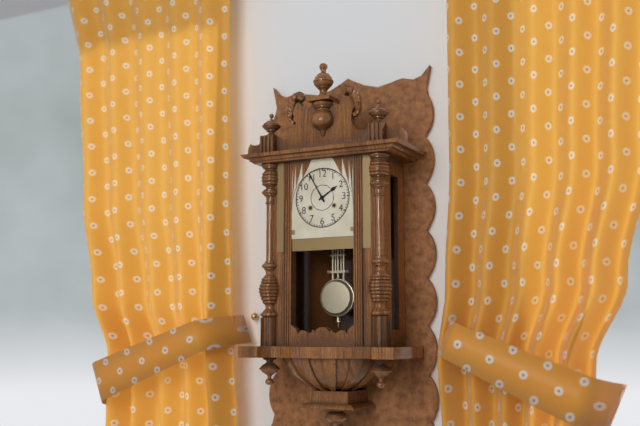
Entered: 1 h 55 min
